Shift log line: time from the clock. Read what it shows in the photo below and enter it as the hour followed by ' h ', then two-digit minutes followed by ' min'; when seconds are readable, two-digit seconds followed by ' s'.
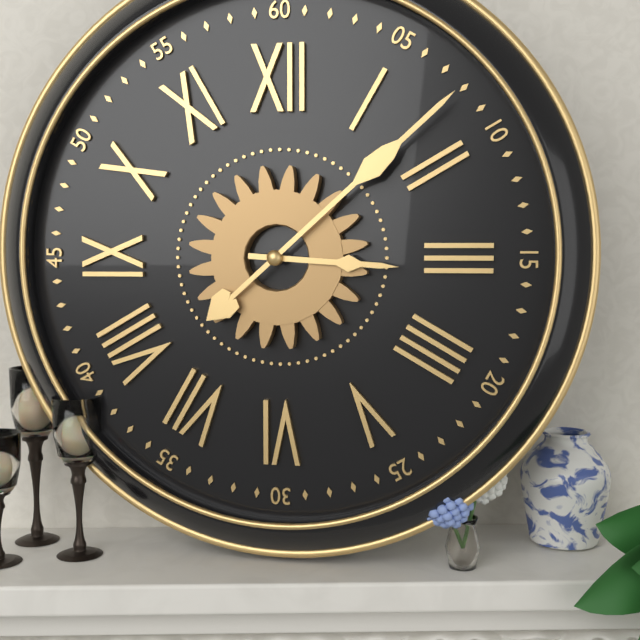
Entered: 3 h 08 min
